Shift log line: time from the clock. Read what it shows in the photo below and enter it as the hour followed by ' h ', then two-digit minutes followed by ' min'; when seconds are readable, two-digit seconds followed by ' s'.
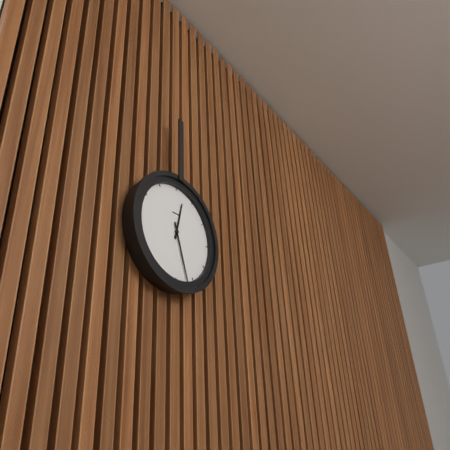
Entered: 12 h 27 min
